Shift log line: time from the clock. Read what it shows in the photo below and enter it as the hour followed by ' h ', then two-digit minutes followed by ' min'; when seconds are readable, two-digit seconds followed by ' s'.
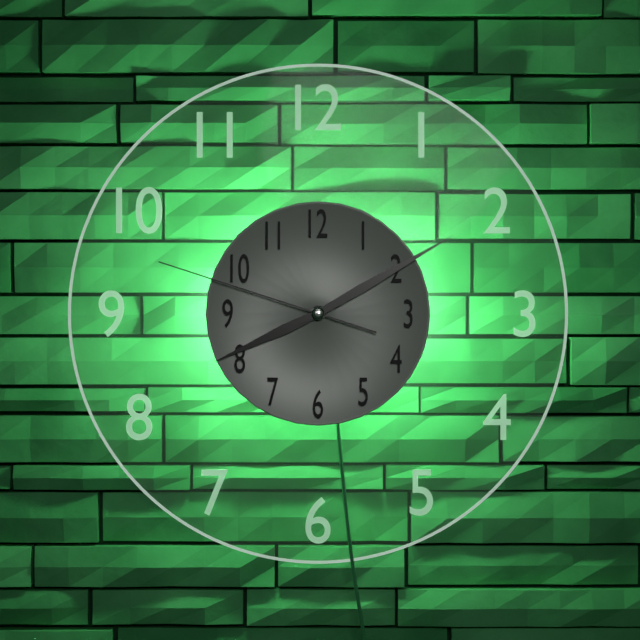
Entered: 8 h 10 min 48 s
